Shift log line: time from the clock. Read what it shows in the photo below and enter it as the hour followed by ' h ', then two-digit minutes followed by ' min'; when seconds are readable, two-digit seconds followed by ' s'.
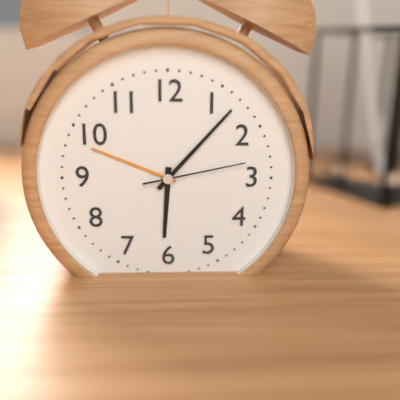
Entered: 6 h 07 min 13 s
